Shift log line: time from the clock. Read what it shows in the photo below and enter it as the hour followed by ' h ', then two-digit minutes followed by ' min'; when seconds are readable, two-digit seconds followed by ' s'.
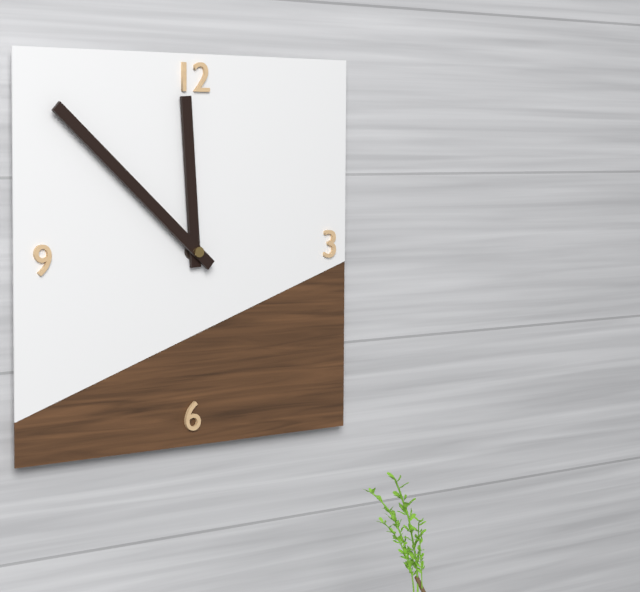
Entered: 11 h 52 min
